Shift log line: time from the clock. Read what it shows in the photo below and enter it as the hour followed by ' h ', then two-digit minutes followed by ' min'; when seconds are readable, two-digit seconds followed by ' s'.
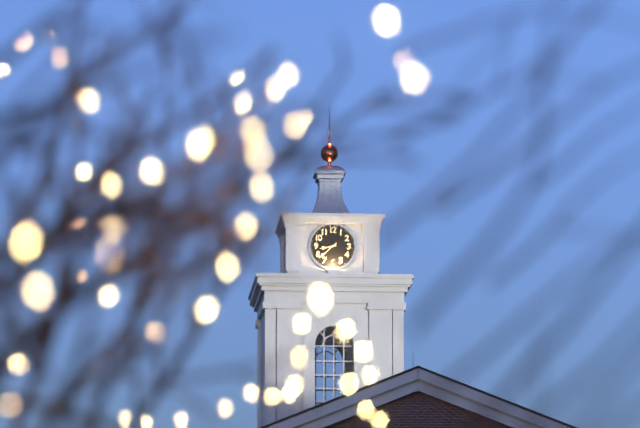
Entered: 8 h 38 min
